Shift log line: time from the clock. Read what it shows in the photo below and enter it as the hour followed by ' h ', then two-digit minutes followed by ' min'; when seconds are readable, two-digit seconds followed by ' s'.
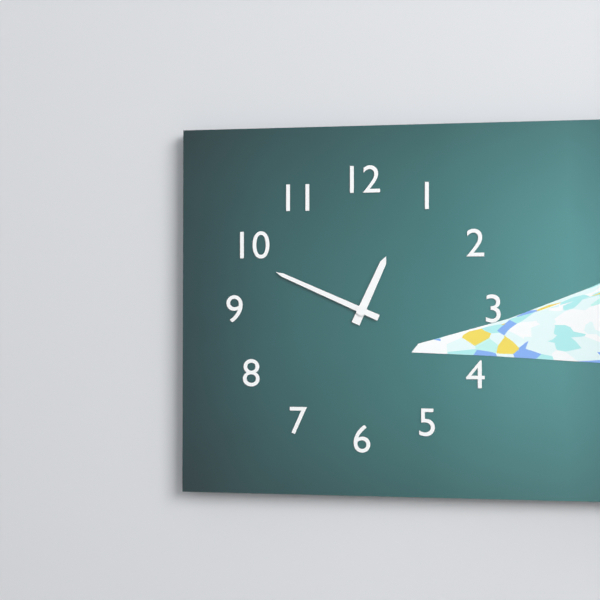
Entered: 12 h 49 min
